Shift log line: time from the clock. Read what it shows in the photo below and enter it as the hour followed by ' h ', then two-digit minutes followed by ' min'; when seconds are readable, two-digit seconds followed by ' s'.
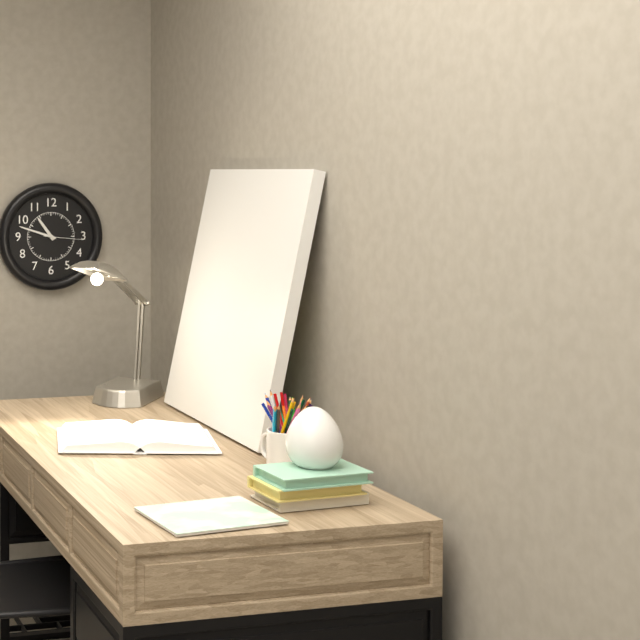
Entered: 10 h 48 min
